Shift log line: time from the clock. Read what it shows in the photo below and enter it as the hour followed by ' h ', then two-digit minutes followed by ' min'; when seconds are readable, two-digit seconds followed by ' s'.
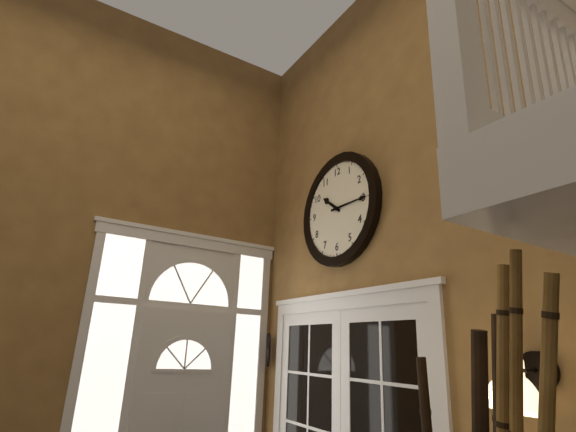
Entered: 10 h 15 min
